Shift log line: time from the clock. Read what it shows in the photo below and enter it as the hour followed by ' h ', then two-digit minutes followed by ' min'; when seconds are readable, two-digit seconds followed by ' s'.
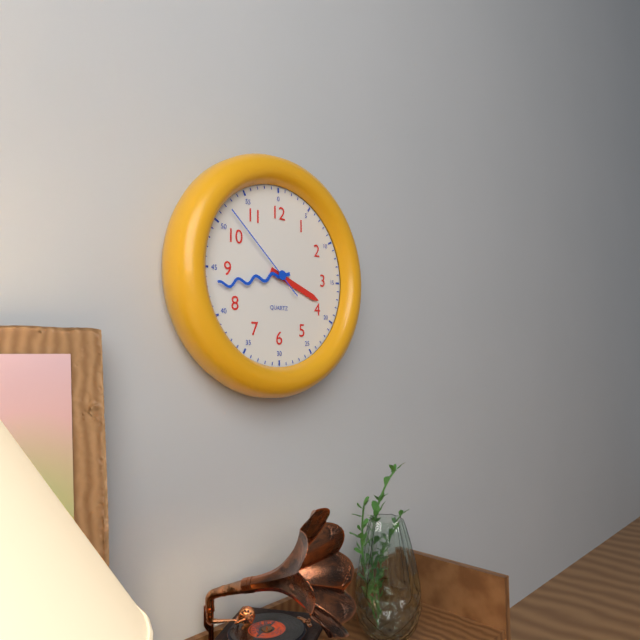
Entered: 3 h 43 min 52 s
